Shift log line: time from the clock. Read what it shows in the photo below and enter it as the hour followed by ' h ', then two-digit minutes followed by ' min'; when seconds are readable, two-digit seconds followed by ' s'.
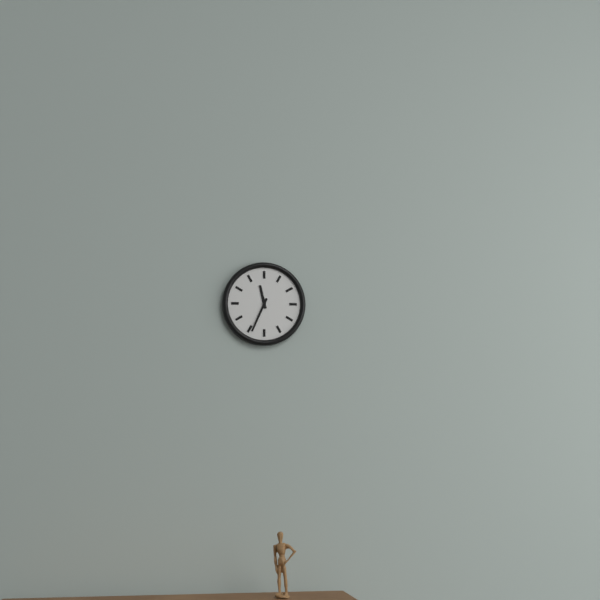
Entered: 11 h 34 min
